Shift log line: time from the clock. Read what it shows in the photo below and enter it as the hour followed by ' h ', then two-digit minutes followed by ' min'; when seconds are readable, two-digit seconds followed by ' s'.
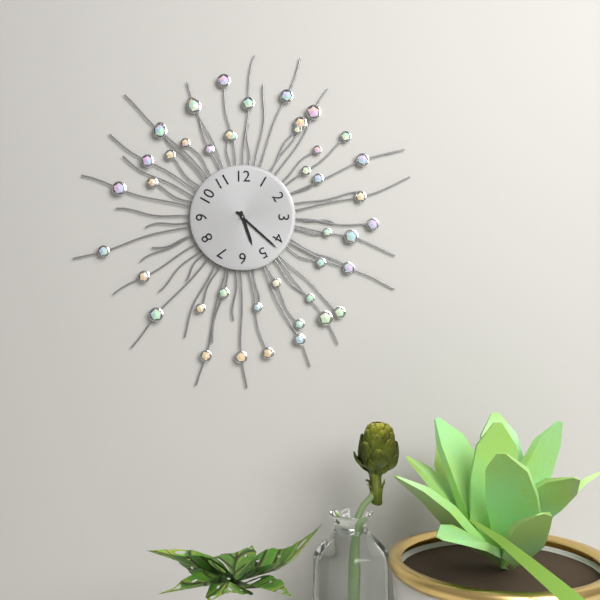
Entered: 5 h 22 min
